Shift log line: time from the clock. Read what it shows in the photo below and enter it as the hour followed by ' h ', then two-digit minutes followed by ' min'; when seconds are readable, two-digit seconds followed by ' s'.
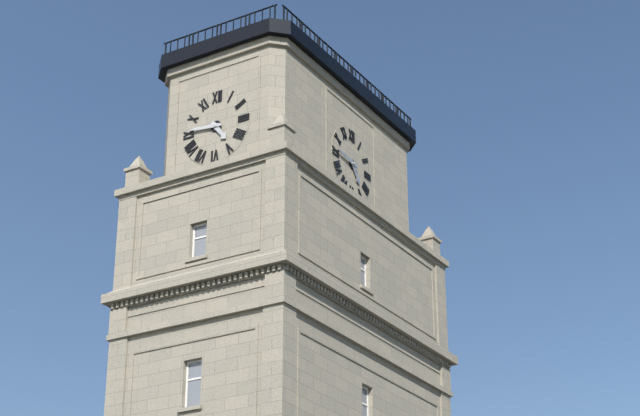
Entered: 4 h 46 min
